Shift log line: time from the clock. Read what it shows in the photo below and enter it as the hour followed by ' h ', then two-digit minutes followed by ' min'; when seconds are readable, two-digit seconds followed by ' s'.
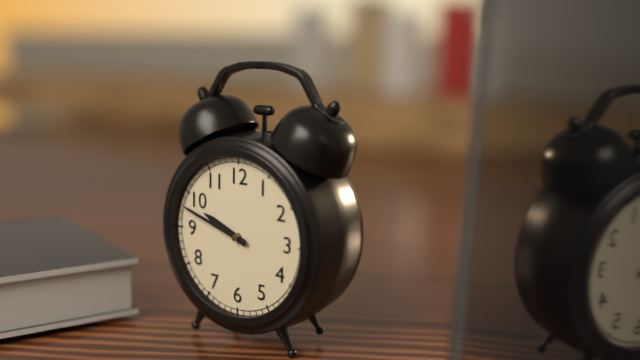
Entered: 9 h 48 min
